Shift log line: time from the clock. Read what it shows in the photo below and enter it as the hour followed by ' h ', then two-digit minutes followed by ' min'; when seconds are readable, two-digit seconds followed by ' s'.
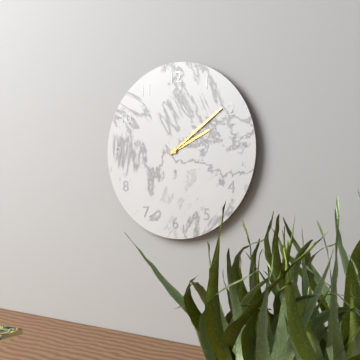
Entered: 2 h 09 min
